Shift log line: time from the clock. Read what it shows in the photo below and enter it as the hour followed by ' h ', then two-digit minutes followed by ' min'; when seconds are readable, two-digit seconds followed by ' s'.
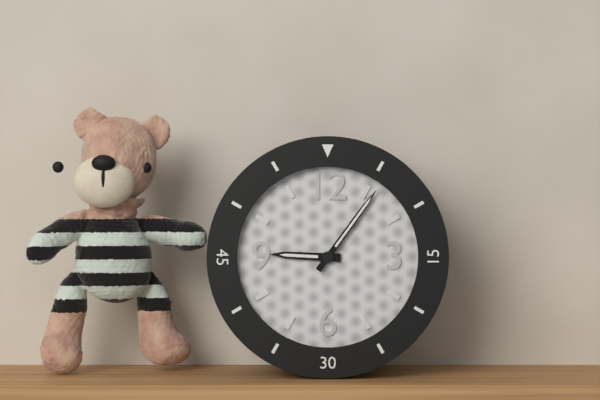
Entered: 9 h 06 min
